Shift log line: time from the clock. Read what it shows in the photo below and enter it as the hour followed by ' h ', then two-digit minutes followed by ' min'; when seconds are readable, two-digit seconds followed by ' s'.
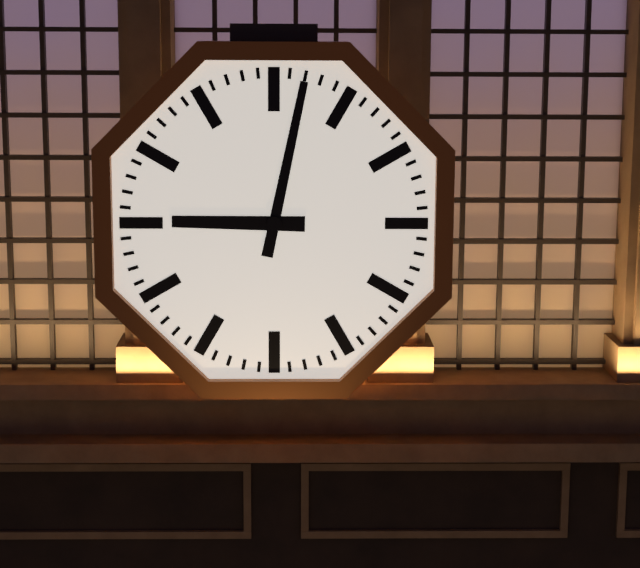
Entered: 9 h 02 min
